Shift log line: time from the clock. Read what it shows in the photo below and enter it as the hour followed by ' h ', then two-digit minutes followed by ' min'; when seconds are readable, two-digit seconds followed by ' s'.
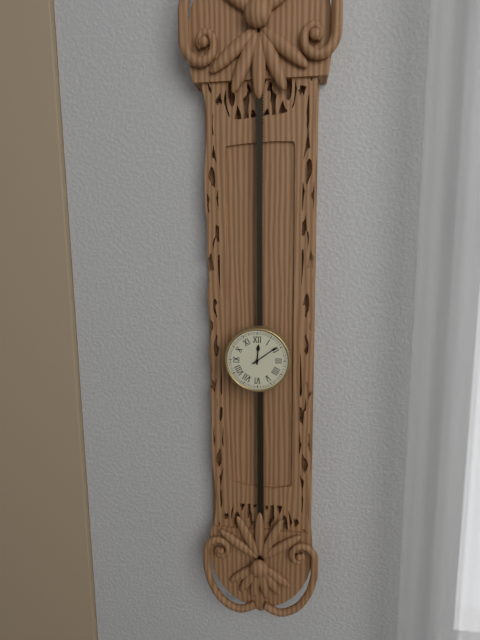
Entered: 12 h 09 min
